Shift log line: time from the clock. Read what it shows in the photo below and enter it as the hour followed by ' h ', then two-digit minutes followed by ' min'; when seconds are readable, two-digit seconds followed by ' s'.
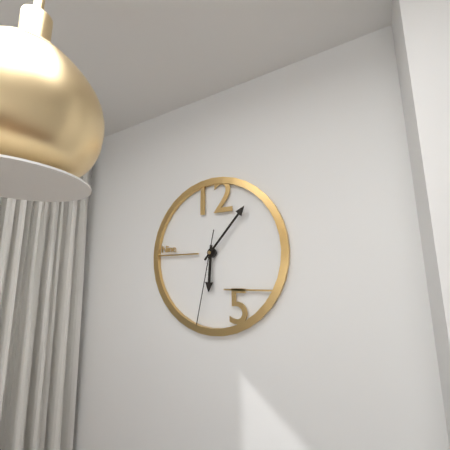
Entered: 6 h 07 min 32 s
